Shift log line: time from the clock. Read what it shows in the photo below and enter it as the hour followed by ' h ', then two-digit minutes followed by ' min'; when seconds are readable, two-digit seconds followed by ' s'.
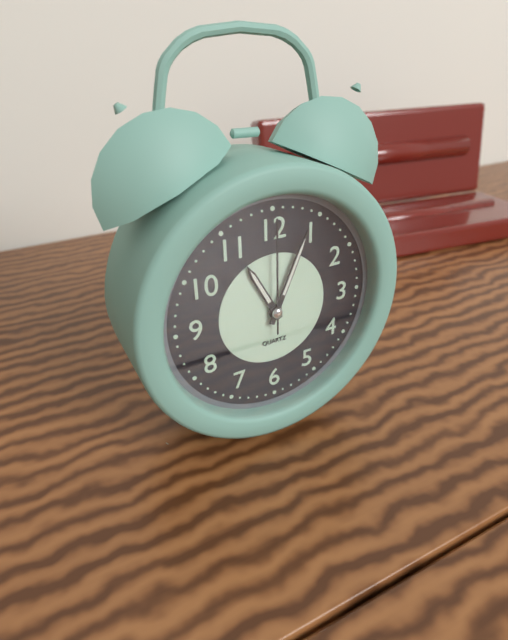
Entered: 11 h 04 min 00 s
